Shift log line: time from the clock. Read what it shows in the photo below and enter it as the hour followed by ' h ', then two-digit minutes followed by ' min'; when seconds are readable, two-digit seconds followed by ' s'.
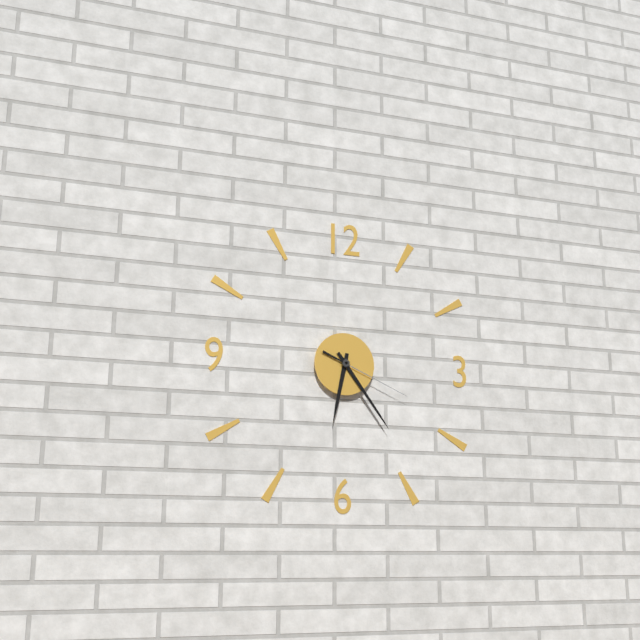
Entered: 6 h 24 min 19 s
